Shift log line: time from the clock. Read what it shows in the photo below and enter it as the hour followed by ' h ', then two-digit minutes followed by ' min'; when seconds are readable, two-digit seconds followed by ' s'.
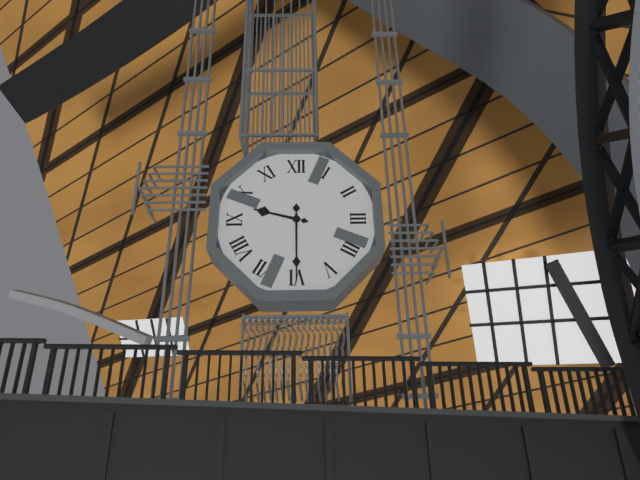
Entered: 9 h 30 min
